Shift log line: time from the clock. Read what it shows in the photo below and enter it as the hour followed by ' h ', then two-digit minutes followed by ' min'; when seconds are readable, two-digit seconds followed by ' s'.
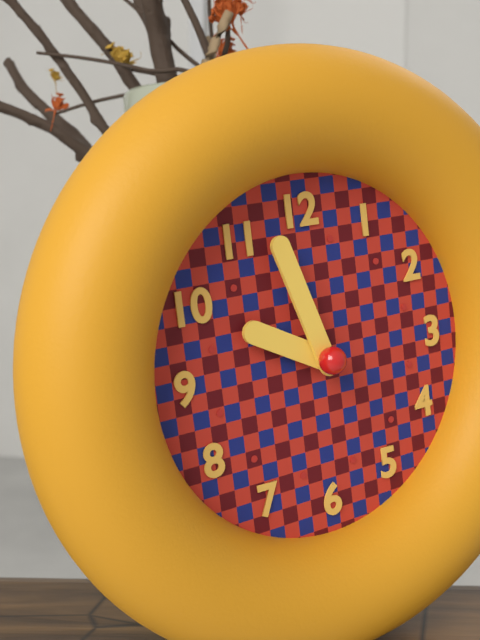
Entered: 9 h 57 min
